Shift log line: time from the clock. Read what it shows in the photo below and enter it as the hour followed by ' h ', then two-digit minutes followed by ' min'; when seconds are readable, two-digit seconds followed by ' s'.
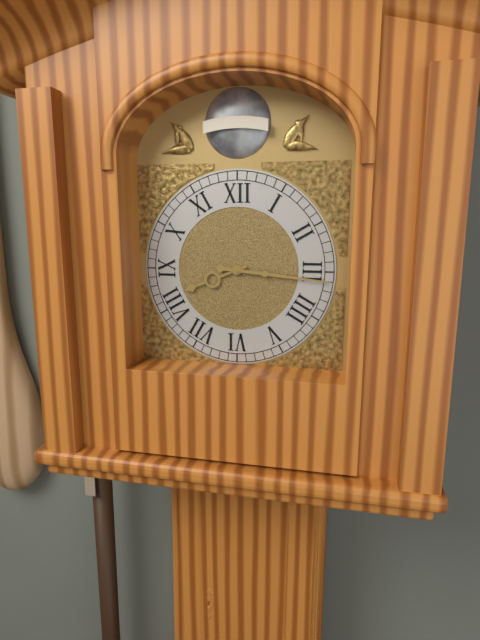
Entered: 8 h 16 min
